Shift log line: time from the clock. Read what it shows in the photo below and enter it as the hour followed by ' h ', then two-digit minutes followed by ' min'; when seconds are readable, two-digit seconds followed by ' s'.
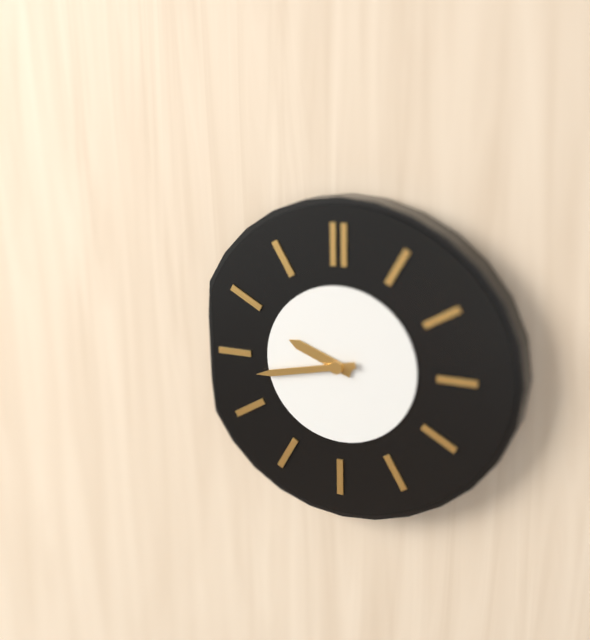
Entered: 9 h 43 min
